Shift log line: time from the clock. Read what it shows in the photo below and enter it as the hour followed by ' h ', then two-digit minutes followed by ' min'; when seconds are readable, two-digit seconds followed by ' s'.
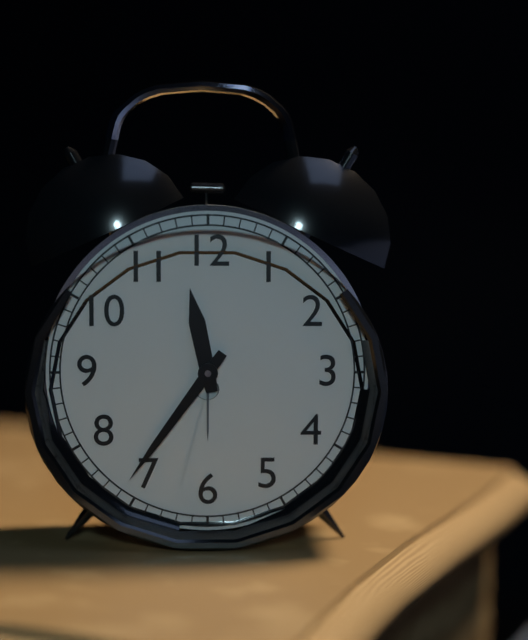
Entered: 11 h 36 min
